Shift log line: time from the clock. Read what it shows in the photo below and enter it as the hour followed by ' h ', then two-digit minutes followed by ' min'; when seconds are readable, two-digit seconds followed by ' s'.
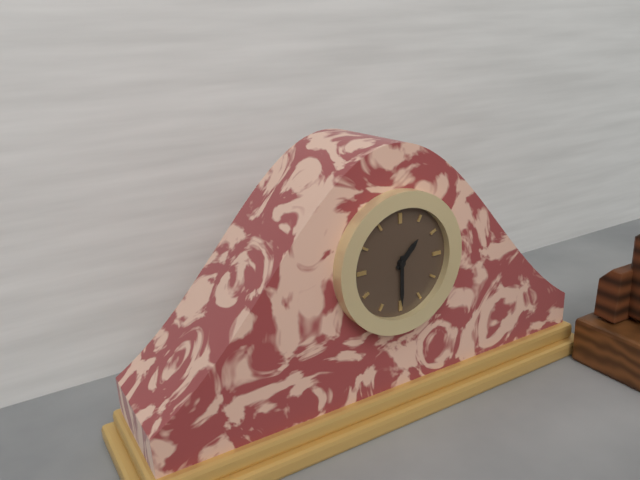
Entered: 1 h 30 min
